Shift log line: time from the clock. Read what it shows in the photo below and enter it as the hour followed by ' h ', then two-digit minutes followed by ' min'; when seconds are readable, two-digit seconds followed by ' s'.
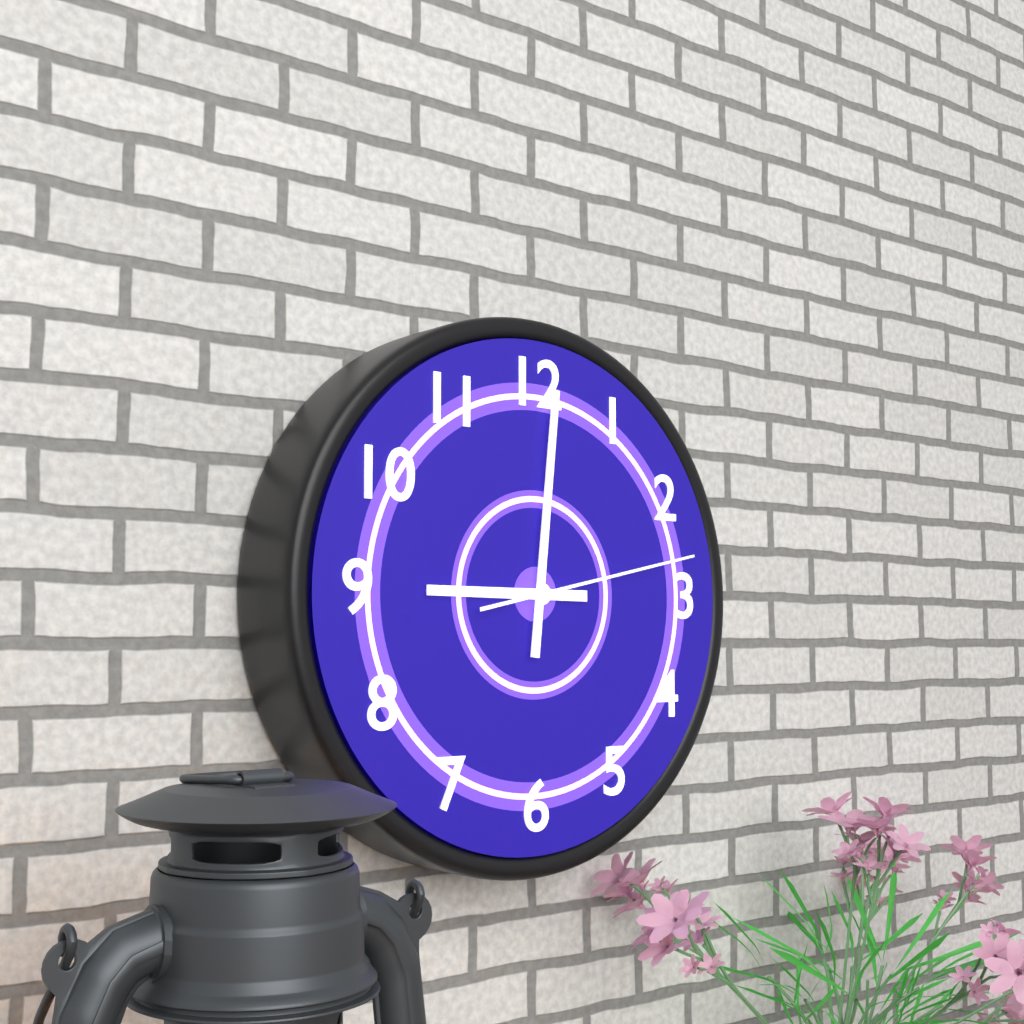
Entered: 9 h 01 min 13 s
